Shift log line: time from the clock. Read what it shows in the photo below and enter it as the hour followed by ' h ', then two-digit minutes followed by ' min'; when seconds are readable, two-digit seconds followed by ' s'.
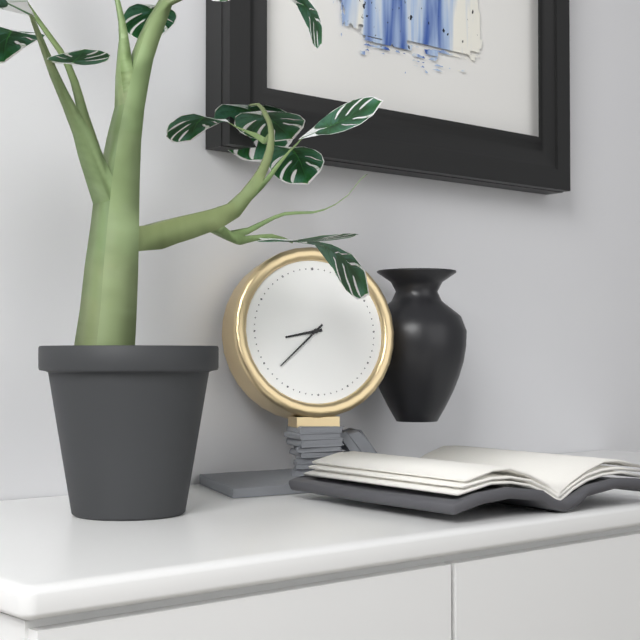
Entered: 8 h 38 min
